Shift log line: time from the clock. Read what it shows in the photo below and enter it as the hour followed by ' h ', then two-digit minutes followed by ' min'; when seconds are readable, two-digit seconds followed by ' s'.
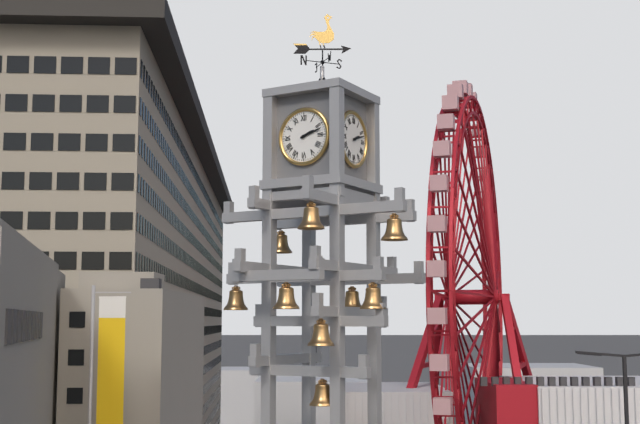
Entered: 2 h 12 min
